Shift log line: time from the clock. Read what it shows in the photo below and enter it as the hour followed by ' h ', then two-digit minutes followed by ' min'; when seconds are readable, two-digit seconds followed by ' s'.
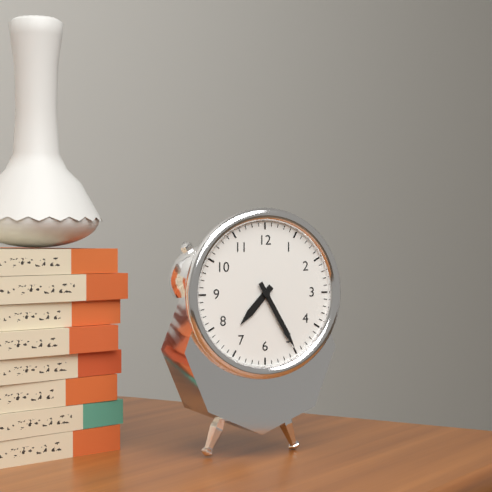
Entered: 7 h 25 min
